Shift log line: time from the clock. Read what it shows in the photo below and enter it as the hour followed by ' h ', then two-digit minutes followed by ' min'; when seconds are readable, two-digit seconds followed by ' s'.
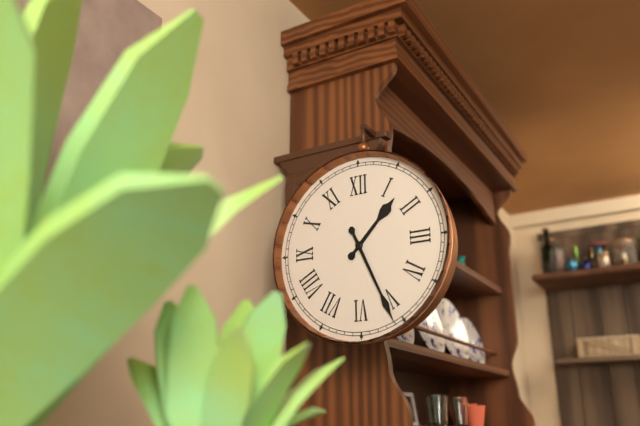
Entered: 1 h 26 min
